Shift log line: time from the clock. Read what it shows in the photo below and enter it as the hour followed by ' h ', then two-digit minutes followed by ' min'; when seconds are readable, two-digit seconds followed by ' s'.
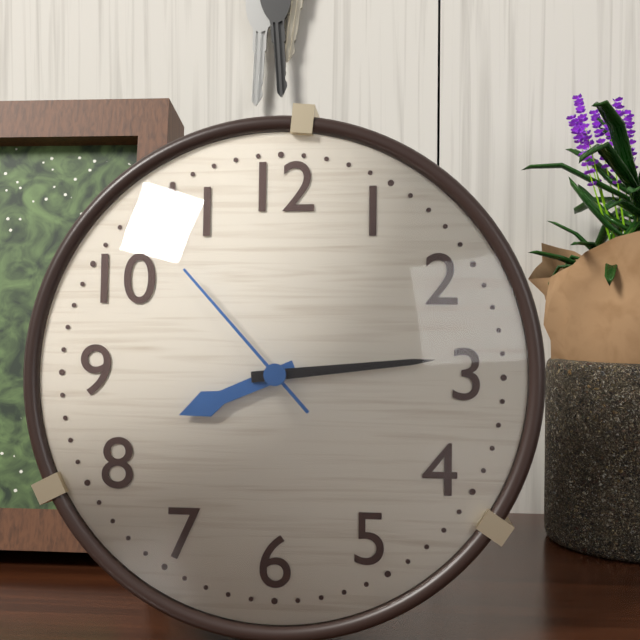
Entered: 8 h 14 min 53 s
